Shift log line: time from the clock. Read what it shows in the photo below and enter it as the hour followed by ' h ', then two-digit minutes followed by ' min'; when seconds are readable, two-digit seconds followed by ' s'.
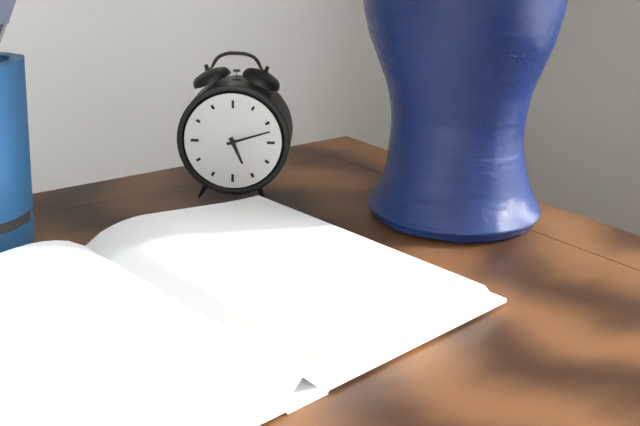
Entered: 5 h 12 min
